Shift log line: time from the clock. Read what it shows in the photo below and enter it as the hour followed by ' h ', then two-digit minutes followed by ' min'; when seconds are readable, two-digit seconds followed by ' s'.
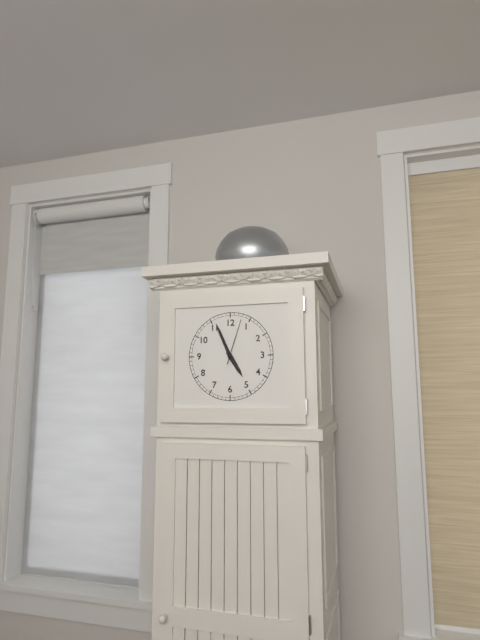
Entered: 4 h 56 min
